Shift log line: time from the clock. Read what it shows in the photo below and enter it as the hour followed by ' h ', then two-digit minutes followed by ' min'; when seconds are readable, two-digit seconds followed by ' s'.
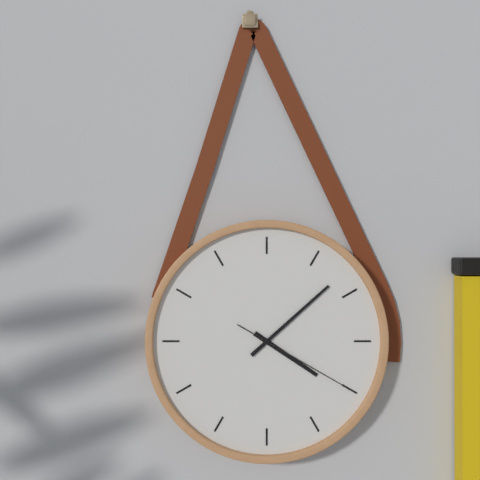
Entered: 4 h 08 min 20 s
